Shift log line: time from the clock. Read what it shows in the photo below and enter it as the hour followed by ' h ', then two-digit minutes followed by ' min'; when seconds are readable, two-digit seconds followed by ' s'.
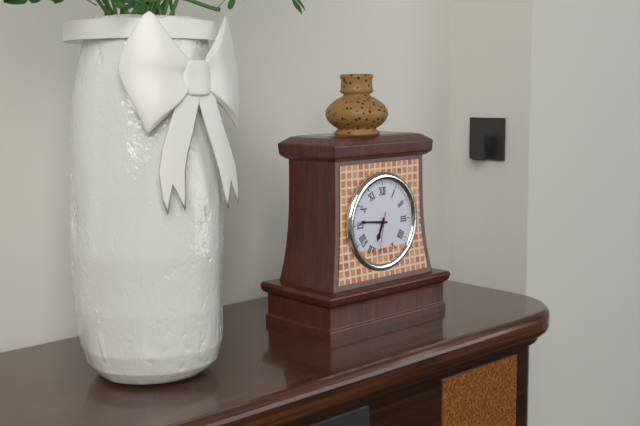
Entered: 6 h 46 min
